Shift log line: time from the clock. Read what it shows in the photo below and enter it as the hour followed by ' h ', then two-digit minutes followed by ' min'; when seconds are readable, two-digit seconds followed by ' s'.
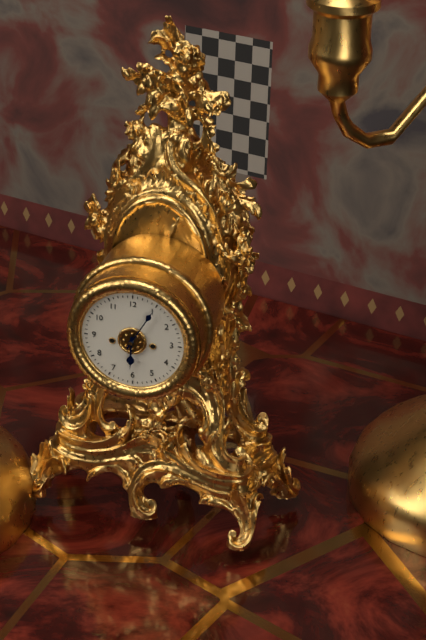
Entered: 6 h 05 min
